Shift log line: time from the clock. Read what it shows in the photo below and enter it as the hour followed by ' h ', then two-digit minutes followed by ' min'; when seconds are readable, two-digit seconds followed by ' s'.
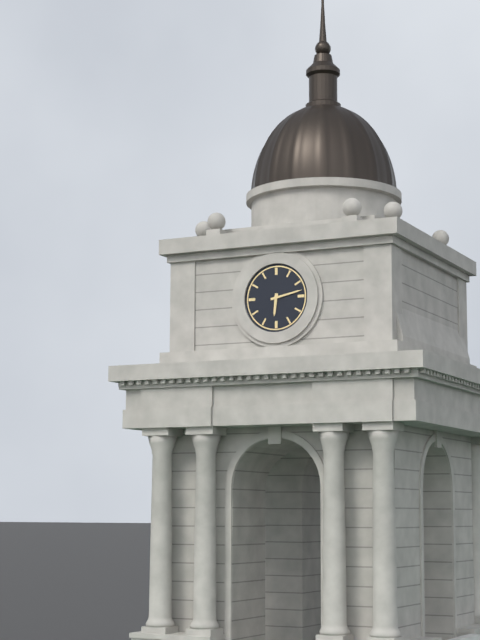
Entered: 6 h 13 min
